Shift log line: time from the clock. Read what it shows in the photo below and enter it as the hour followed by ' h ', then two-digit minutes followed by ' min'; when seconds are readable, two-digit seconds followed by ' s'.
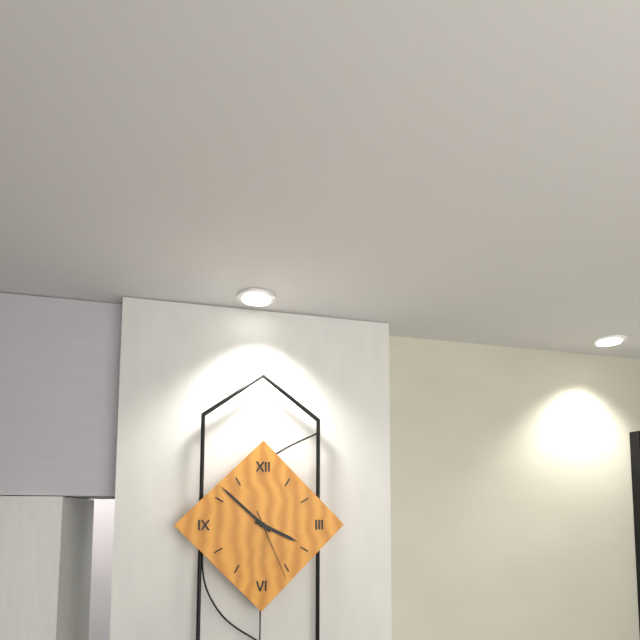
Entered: 3 h 52 min 26 s
